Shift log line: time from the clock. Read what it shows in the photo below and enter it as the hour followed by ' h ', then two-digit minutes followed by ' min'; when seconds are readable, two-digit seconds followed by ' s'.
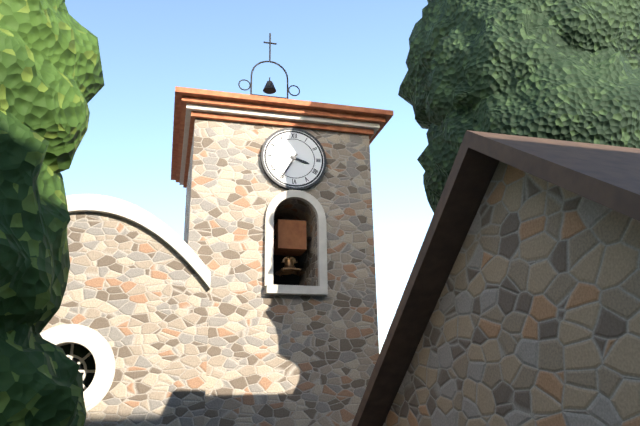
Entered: 3 h 35 min
